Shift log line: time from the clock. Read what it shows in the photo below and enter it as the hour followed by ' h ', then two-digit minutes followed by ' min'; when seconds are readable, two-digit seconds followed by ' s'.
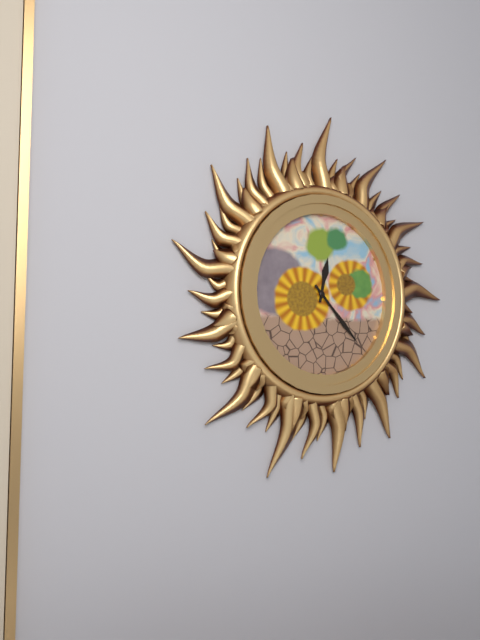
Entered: 12 h 23 min
